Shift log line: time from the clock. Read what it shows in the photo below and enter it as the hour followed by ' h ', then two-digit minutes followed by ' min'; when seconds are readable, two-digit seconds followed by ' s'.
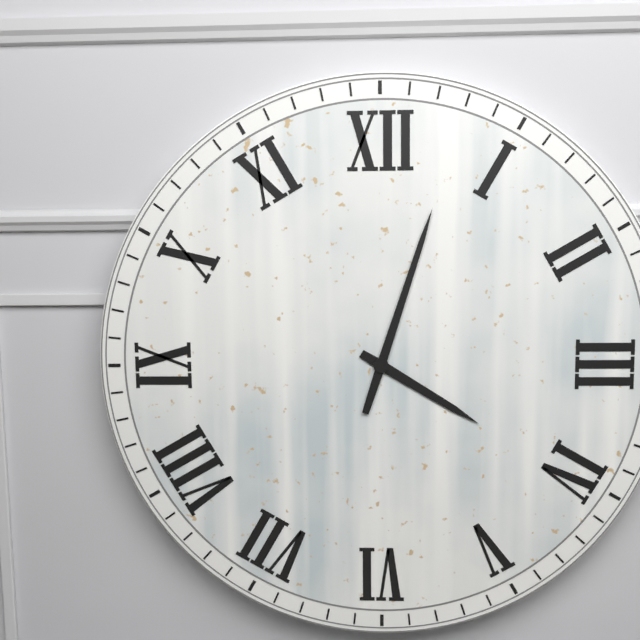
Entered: 4 h 03 min
